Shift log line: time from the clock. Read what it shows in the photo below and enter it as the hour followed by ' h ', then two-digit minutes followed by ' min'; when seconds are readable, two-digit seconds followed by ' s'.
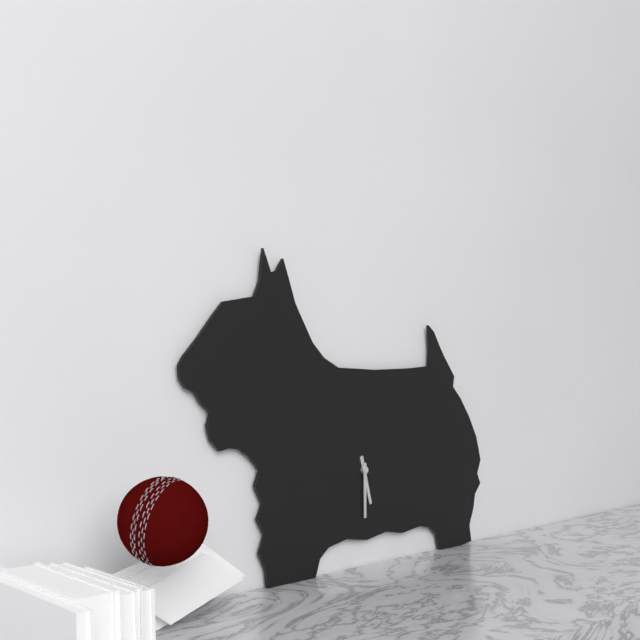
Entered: 5 h 30 min
